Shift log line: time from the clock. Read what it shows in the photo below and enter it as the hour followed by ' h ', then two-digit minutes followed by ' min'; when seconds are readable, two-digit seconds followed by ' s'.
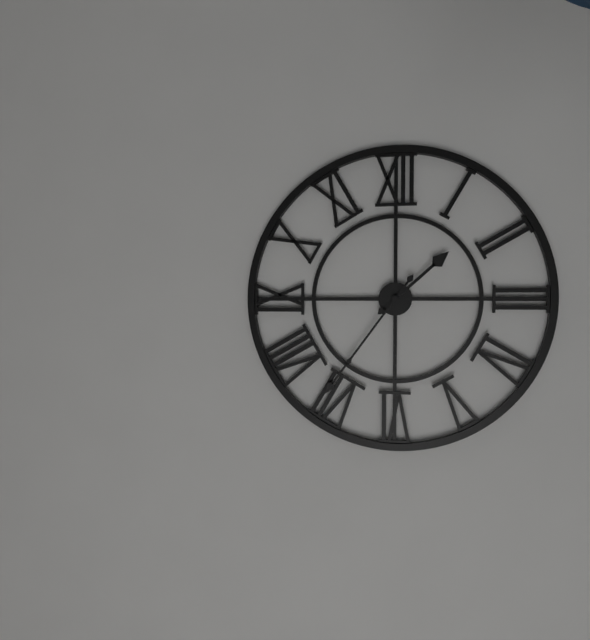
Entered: 1 h 36 min
